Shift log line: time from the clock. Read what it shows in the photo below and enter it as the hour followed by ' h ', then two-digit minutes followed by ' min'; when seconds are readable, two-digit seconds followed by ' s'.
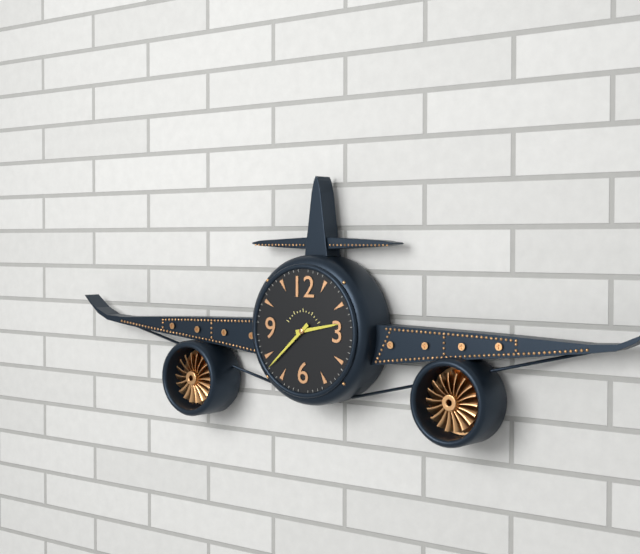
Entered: 2 h 38 min
